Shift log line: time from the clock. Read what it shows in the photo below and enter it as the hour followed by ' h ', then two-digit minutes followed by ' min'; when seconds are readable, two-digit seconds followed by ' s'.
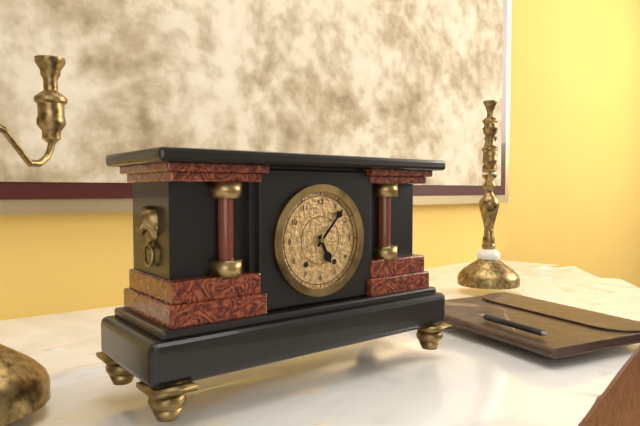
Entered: 5 h 07 min
